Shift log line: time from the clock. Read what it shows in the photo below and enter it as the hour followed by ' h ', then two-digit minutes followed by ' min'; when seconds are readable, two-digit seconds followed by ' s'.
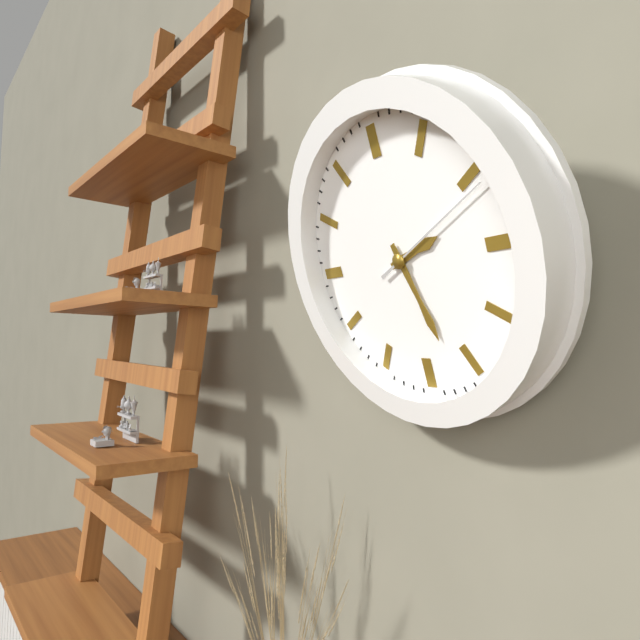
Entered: 2 h 27 min 11 s
